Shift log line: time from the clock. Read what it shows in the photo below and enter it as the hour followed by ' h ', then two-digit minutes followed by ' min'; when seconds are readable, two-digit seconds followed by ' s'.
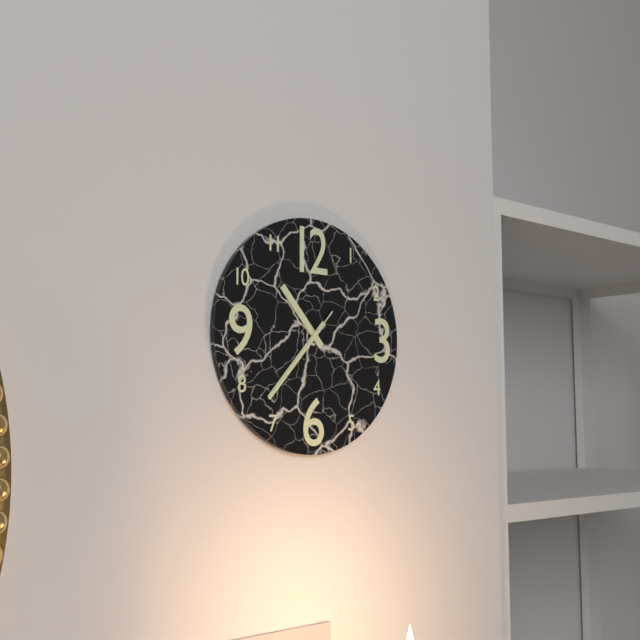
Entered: 10 h 37 min 37 s
